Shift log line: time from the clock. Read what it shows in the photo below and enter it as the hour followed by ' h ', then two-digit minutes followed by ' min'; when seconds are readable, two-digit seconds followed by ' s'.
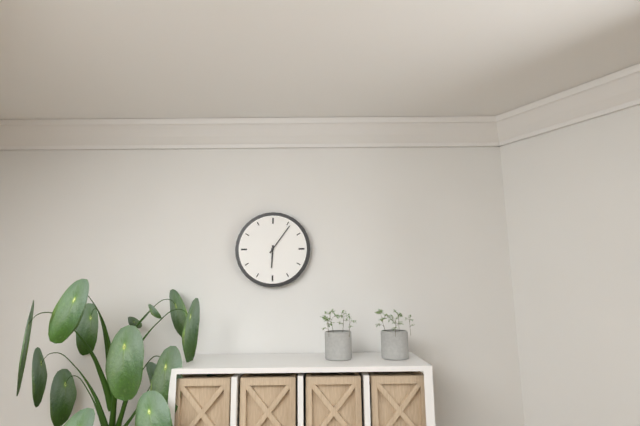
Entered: 6 h 06 min
